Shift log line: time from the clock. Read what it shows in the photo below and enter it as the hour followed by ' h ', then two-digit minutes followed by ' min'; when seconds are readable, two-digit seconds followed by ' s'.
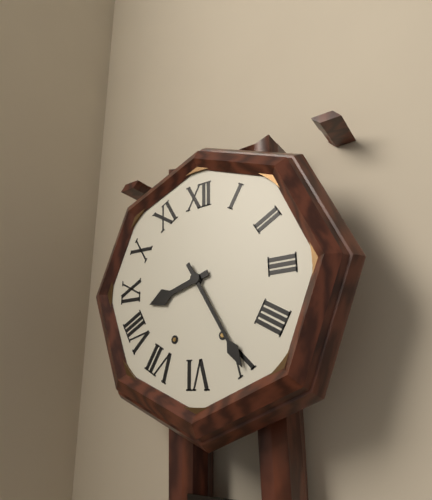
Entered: 8 h 25 min
